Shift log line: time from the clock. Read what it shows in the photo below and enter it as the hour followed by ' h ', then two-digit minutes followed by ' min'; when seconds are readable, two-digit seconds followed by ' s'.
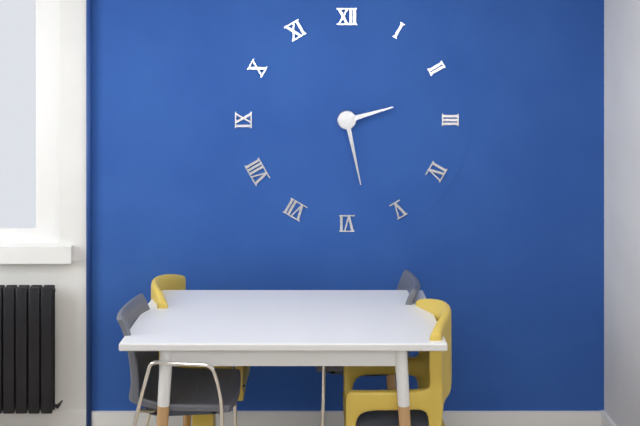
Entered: 2 h 28 min
